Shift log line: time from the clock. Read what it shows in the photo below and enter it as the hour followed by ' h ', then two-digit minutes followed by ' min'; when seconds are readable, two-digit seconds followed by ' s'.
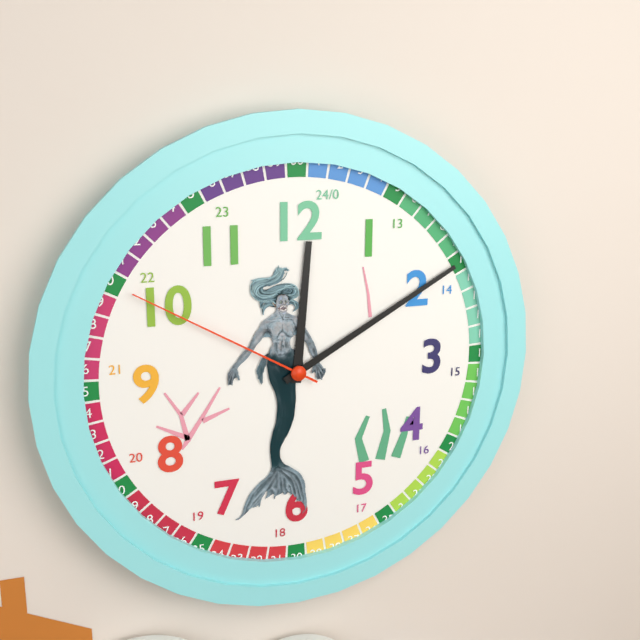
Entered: 12 h 10 min 50 s
